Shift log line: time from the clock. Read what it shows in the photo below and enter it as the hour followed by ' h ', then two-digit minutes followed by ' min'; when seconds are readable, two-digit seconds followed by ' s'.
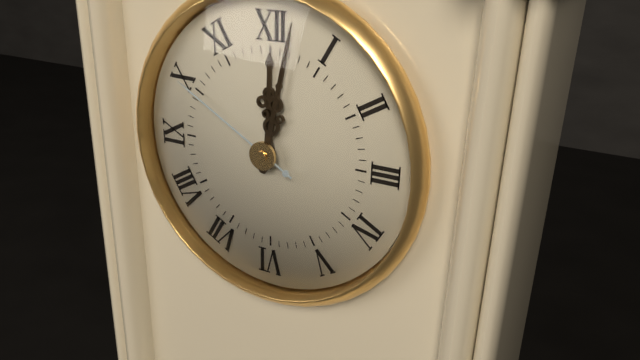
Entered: 12 h 02 min 50 s
